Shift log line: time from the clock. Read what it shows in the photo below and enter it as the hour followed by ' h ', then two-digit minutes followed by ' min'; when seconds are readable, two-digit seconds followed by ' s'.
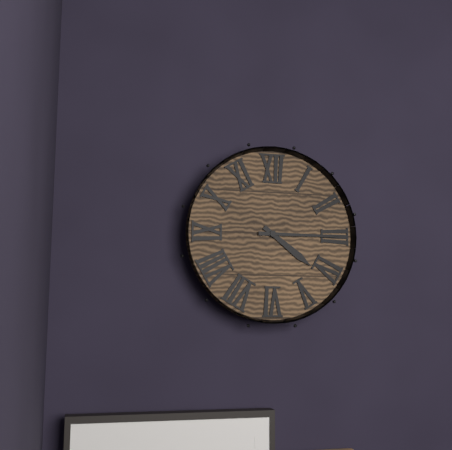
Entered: 4 h 15 min
